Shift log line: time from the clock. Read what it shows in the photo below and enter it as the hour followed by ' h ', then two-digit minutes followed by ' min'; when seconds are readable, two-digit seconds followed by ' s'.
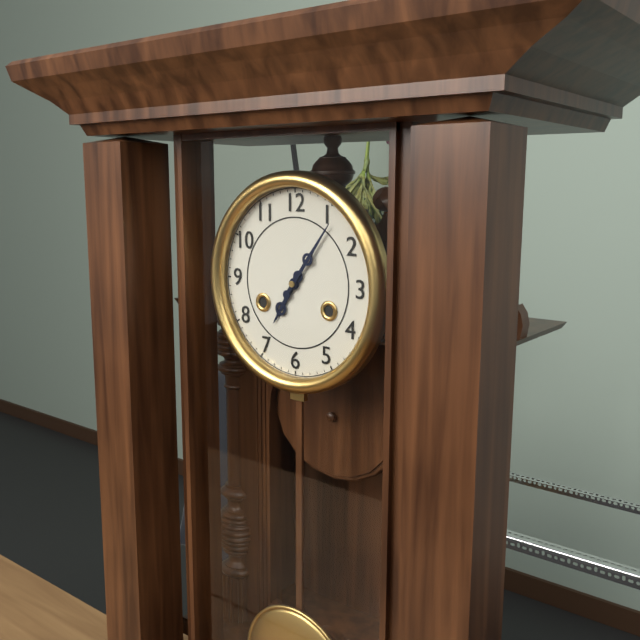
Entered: 7 h 06 min
